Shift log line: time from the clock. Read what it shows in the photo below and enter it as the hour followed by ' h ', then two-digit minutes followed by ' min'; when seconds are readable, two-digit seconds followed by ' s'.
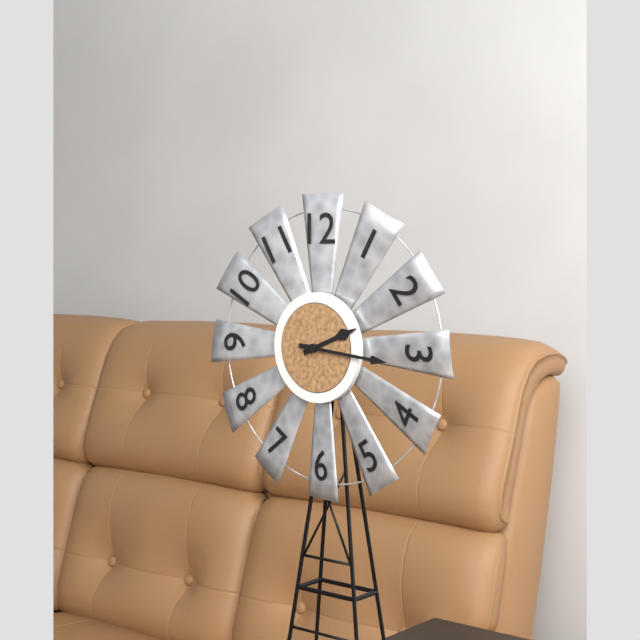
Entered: 2 h 16 min
